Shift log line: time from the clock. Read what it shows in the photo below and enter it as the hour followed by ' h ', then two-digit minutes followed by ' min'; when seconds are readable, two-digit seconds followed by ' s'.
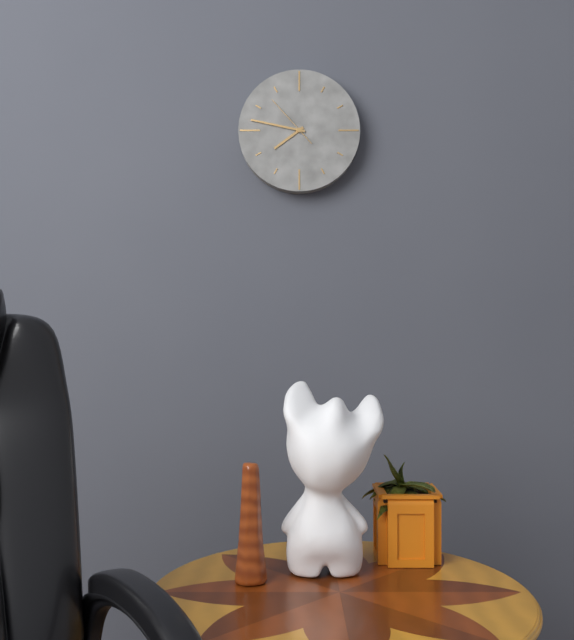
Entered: 7 h 47 min 53 s
